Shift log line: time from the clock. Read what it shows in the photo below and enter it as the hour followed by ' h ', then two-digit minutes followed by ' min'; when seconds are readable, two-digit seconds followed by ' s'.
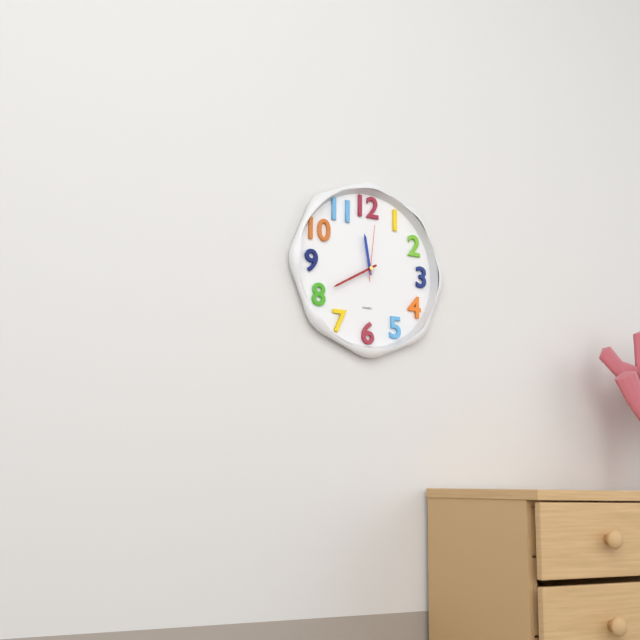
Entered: 11 h 40 min 01 s
